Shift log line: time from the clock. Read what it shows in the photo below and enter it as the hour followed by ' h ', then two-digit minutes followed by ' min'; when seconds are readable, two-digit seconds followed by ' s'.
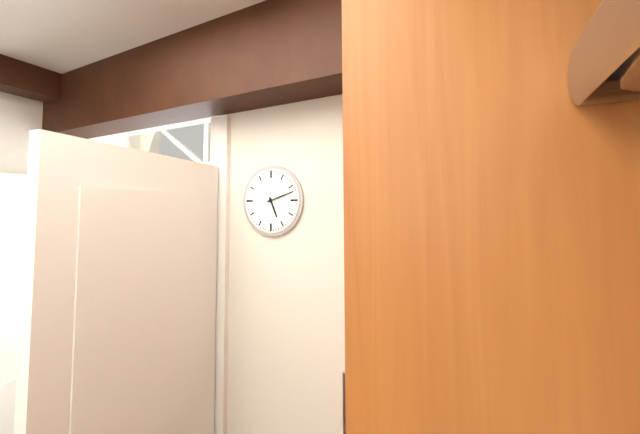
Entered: 5 h 12 min
